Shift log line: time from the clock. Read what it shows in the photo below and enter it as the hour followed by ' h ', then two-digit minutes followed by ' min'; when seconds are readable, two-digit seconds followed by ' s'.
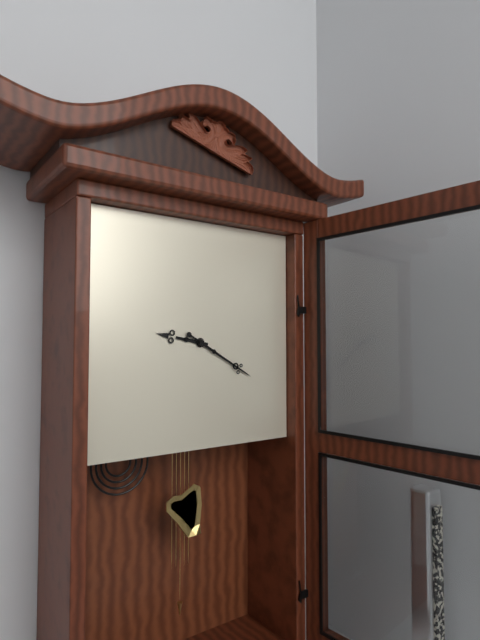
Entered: 9 h 20 min
